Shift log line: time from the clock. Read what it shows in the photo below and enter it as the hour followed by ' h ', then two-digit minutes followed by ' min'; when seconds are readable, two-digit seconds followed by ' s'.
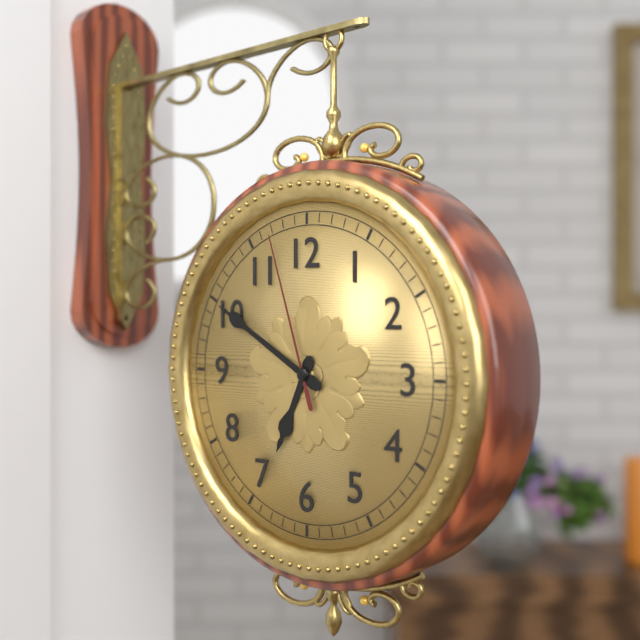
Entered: 6 h 50 min 57 s
